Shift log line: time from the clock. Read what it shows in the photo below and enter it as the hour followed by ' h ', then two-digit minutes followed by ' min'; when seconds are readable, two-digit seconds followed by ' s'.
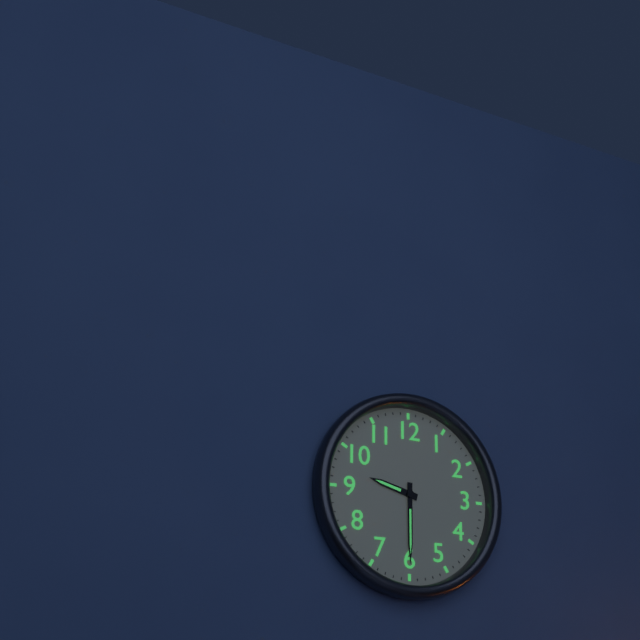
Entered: 9 h 30 min
